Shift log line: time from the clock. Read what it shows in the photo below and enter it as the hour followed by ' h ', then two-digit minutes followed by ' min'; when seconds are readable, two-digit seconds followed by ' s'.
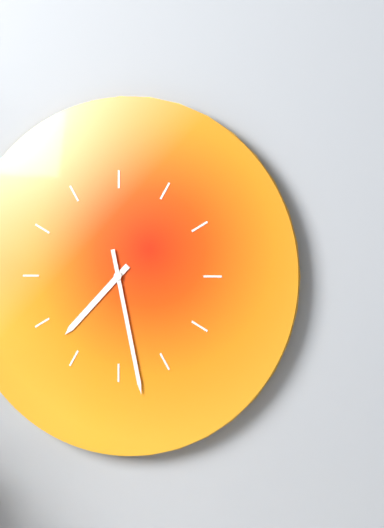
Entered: 7 h 28 min
